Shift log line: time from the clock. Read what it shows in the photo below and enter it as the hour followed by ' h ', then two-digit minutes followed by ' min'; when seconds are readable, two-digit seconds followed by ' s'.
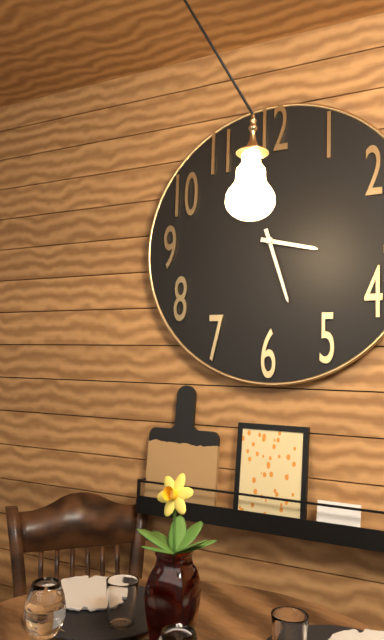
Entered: 3 h 27 min
